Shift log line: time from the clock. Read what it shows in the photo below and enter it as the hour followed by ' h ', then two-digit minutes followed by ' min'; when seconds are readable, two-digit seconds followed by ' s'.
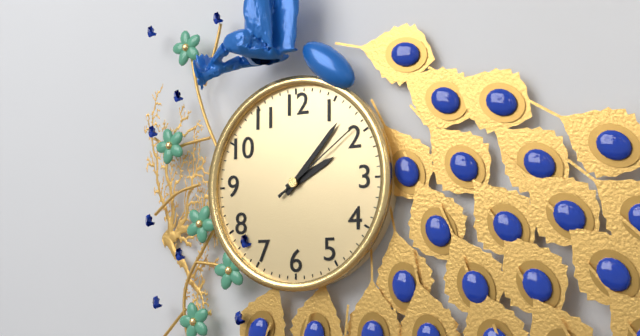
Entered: 2 h 07 min 09 s
